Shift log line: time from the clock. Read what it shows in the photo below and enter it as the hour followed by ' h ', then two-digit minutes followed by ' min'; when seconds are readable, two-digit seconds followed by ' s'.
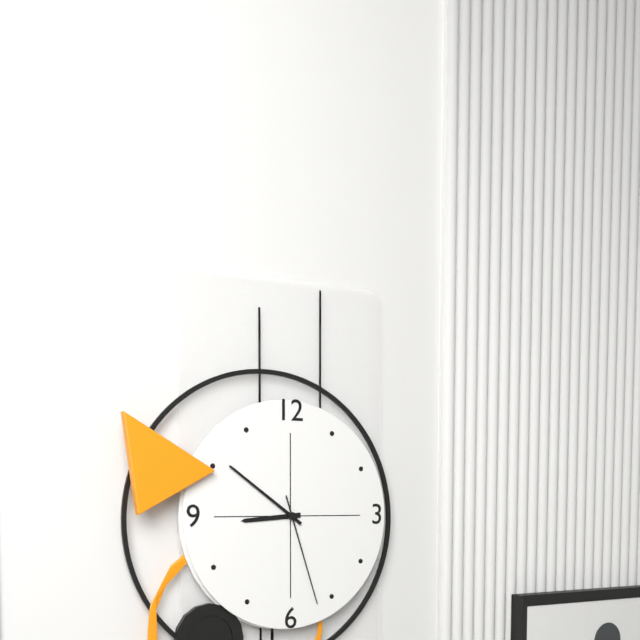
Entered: 8 h 51 min 27 s
